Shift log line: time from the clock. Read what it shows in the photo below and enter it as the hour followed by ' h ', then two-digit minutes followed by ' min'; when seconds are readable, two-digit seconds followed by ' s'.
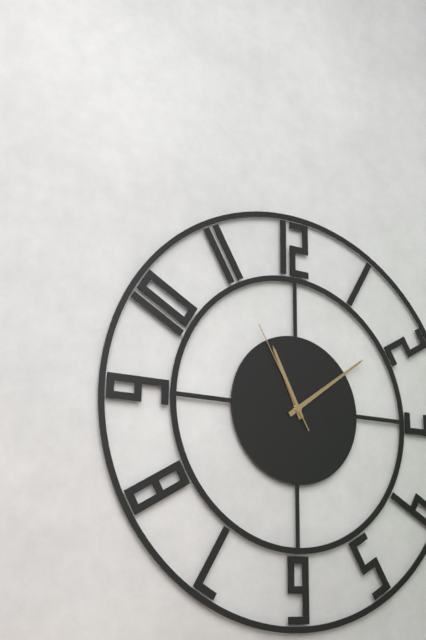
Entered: 11 h 09 min 55 s
